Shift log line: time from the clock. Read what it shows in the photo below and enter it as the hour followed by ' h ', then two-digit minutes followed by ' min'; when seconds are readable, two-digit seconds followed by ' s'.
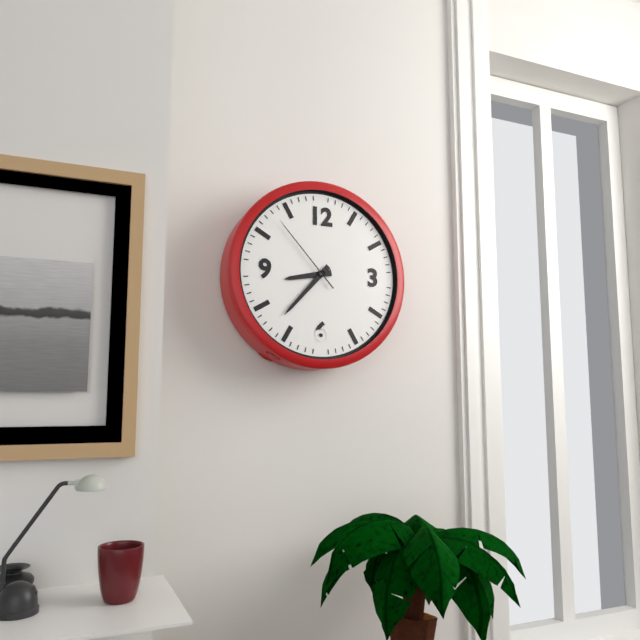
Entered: 8 h 37 min 53 s
